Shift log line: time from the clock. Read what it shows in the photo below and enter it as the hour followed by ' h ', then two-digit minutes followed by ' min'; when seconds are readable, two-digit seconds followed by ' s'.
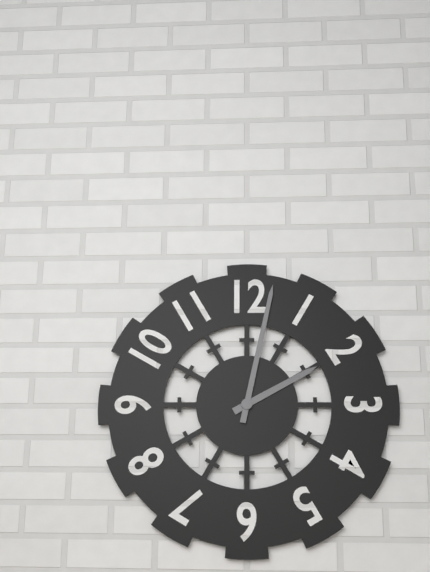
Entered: 2 h 02 min
